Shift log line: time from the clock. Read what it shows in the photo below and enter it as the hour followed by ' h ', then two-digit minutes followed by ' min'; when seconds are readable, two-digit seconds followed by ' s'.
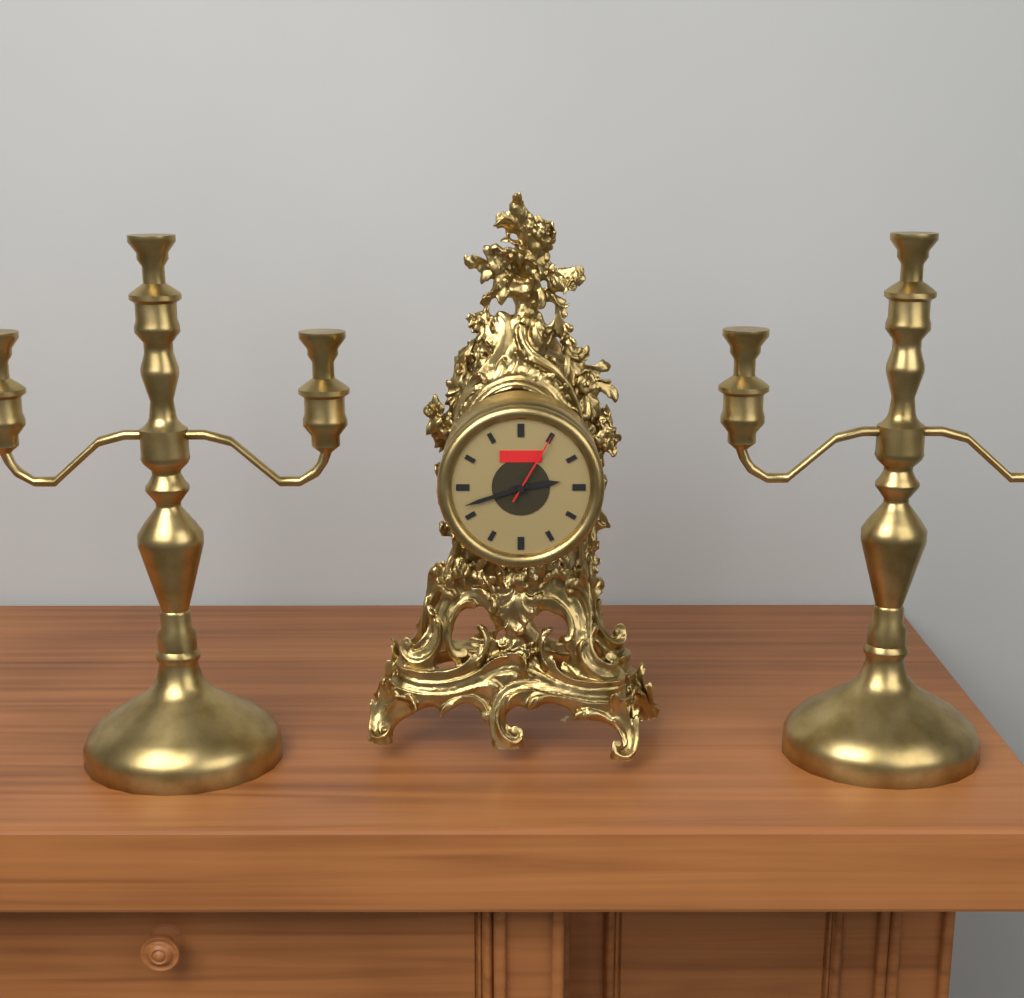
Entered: 2 h 42 min 05 s
